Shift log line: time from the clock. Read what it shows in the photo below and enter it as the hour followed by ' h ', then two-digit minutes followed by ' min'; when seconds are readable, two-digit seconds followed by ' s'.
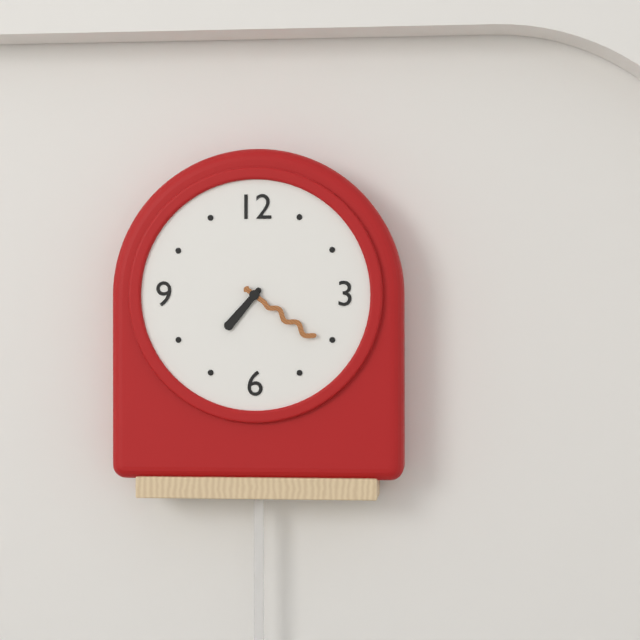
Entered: 7 h 21 min
